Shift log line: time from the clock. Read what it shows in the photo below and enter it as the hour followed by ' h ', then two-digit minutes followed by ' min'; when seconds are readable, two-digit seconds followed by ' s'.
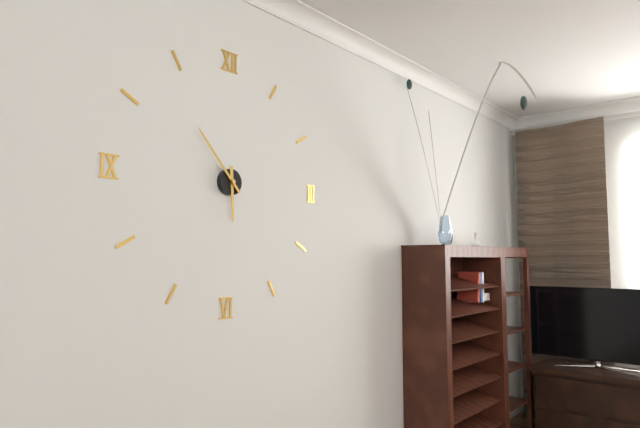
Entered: 5 h 53 min
